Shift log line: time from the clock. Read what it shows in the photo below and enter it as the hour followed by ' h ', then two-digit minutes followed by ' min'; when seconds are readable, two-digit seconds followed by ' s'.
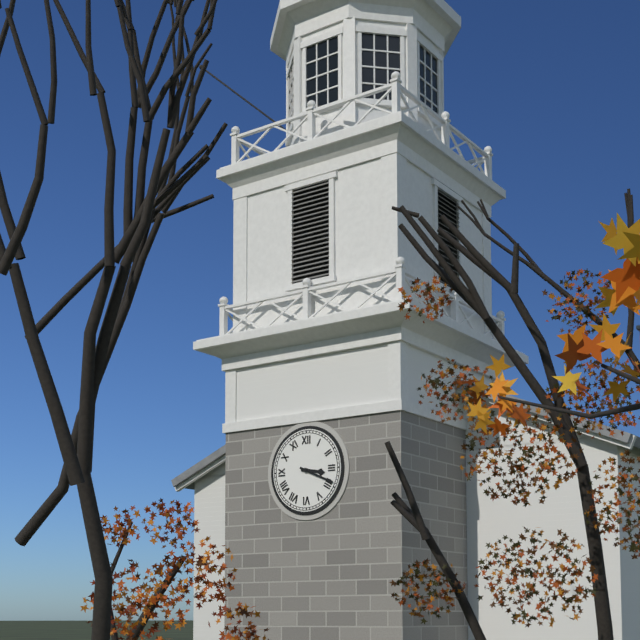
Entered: 3 h 19 min
